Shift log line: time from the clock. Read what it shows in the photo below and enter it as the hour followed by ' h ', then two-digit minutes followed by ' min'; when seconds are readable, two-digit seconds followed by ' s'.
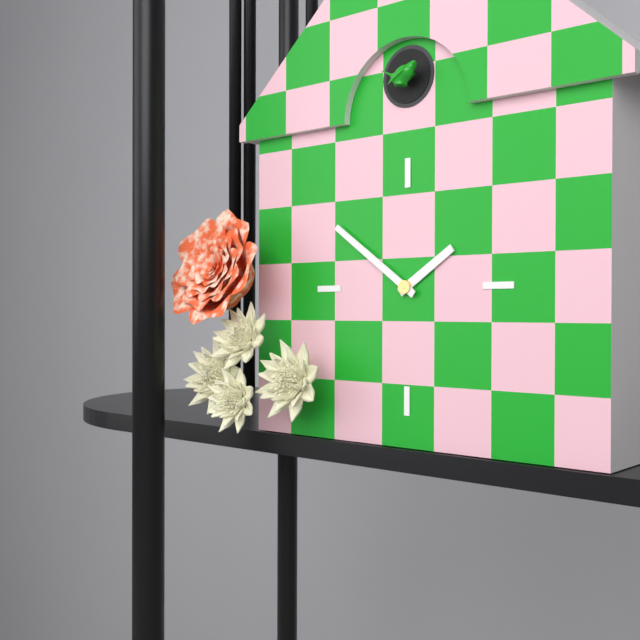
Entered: 1 h 51 min
